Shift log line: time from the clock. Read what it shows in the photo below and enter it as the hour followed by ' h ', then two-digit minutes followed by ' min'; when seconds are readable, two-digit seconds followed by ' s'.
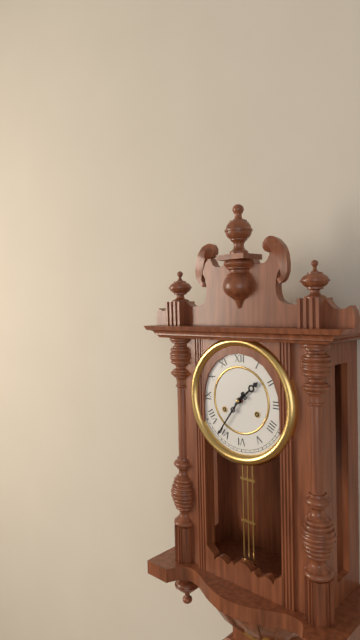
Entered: 1 h 36 min
